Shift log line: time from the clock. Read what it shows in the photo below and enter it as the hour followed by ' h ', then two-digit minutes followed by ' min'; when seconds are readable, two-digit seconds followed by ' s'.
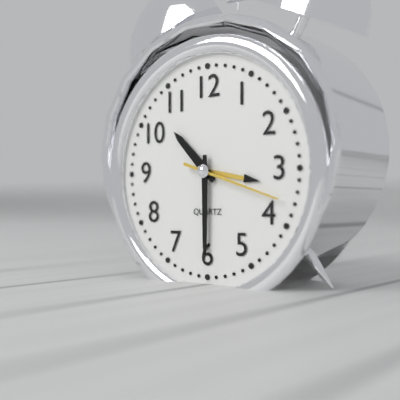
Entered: 10 h 30 min 18 s
